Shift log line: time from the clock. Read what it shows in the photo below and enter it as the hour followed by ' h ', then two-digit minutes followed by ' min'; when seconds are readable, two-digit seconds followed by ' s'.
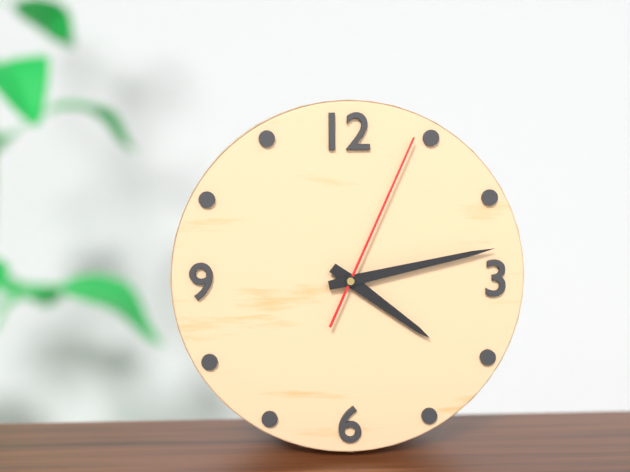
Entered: 4 h 13 min 04 s
